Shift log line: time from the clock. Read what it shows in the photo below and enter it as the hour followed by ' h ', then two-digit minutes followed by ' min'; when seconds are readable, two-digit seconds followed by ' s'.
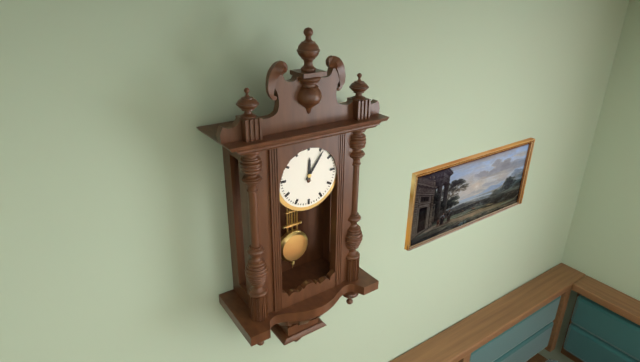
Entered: 12 h 06 min
